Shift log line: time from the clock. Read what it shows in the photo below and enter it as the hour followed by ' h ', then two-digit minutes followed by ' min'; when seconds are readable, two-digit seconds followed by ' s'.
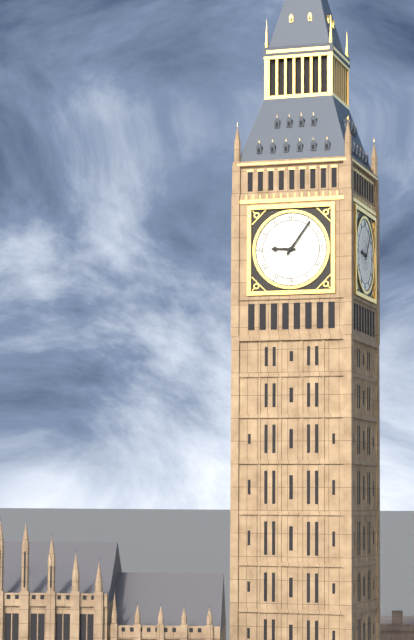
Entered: 9 h 06 min
